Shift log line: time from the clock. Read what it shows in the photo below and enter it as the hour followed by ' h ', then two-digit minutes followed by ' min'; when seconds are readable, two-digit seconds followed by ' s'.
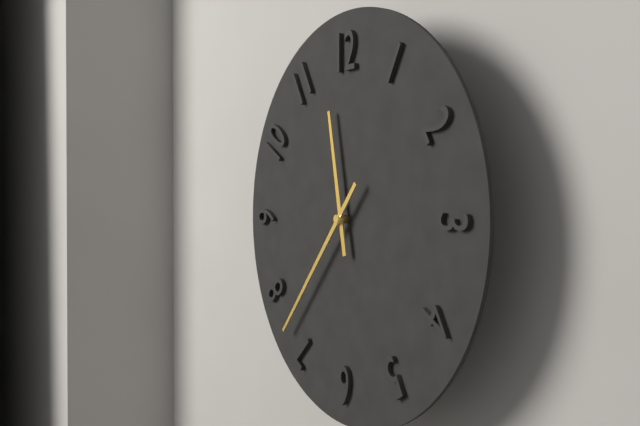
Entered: 11 h 37 min
